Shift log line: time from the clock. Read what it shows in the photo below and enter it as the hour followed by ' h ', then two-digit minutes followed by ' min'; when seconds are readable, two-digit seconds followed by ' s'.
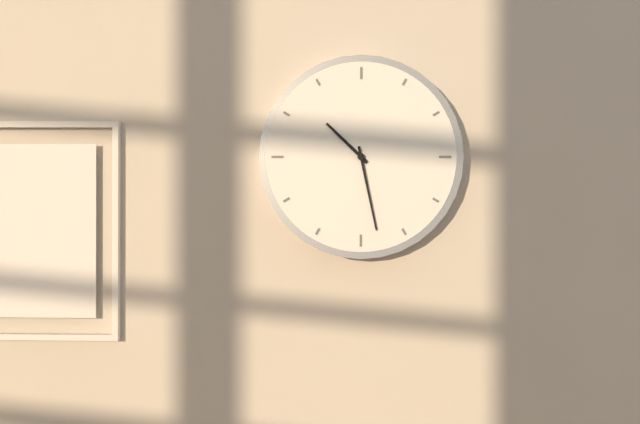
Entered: 10 h 28 min
